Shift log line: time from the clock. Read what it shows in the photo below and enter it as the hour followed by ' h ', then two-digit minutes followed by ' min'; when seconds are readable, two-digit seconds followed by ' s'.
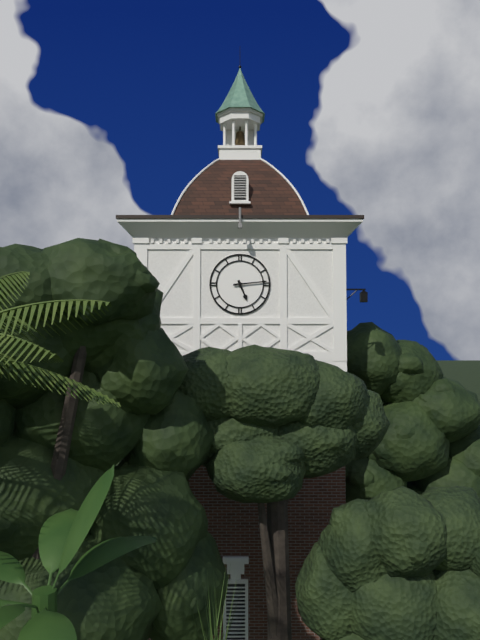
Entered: 5 h 14 min
